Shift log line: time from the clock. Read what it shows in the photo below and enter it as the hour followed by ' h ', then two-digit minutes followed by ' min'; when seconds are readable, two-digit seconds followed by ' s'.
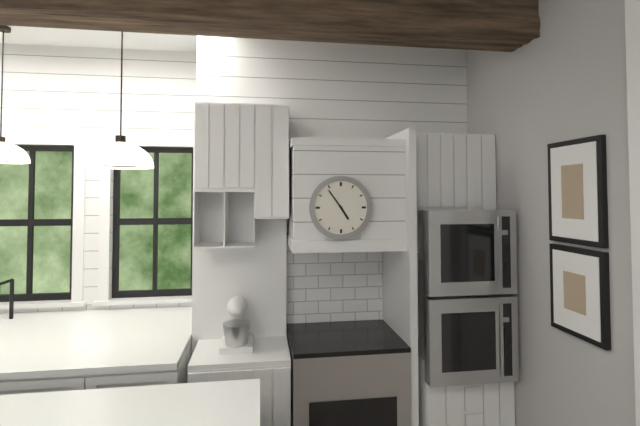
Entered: 4 h 54 min
